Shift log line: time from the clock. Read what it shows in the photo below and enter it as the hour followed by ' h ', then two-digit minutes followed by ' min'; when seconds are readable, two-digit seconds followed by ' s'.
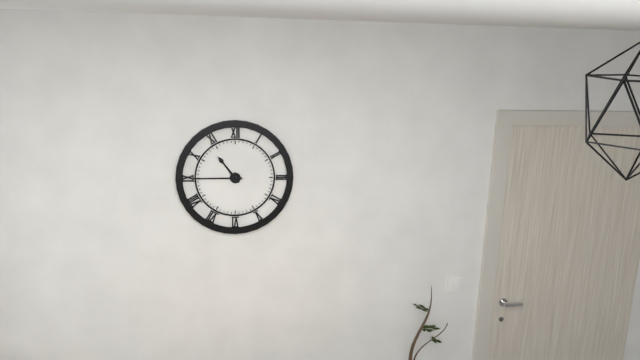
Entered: 10 h 45 min
